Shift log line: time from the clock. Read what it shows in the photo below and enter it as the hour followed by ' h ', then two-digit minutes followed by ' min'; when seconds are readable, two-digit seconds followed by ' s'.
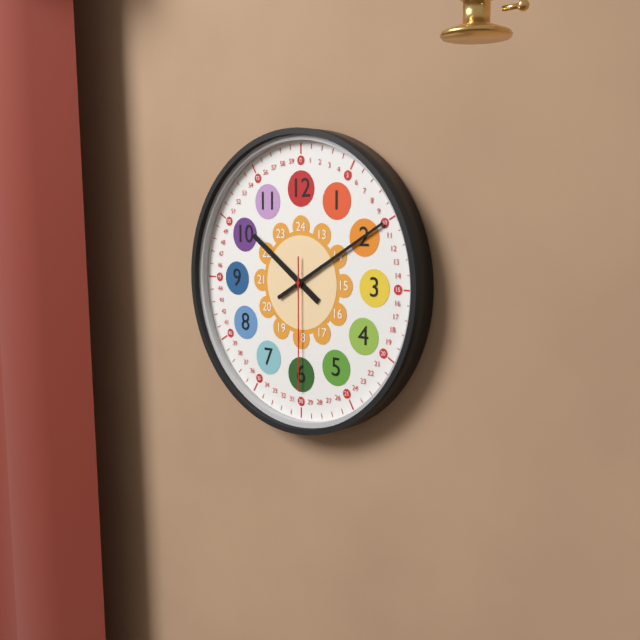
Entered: 10 h 10 min 30 s
